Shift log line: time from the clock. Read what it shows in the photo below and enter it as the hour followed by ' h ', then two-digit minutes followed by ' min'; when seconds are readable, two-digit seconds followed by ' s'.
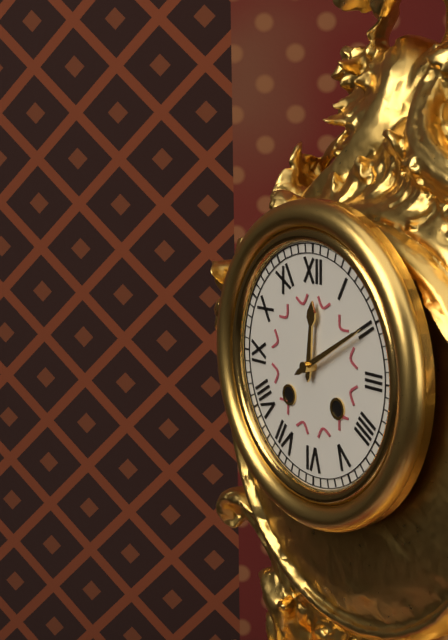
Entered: 12 h 10 min
